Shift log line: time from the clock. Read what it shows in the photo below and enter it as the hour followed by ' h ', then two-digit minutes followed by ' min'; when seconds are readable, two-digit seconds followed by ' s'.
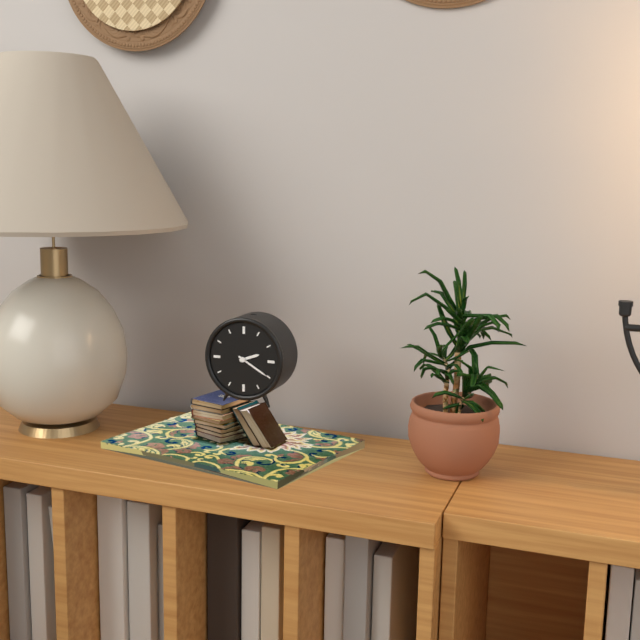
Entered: 2 h 20 min
